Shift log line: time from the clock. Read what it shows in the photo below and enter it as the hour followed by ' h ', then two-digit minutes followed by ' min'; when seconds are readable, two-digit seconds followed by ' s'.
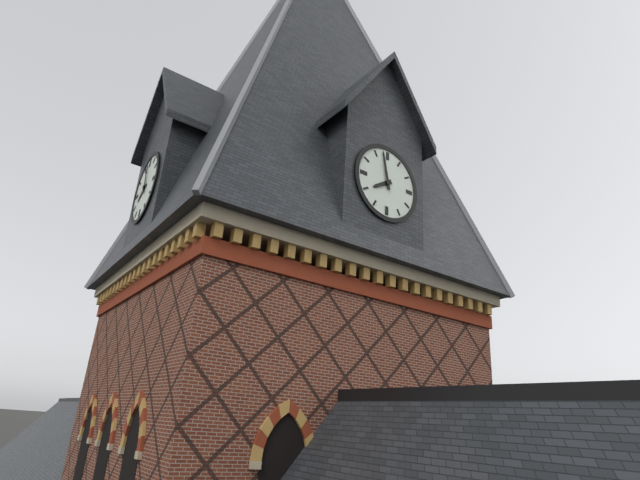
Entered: 7 h 58 min
